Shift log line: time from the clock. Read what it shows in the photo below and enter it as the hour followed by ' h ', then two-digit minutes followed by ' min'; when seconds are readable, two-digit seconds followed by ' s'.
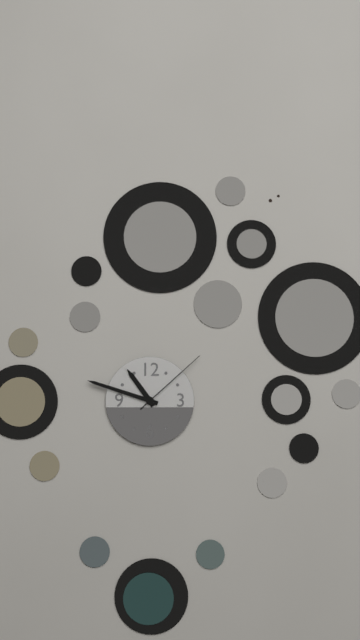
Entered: 10 h 48 min 08 s
